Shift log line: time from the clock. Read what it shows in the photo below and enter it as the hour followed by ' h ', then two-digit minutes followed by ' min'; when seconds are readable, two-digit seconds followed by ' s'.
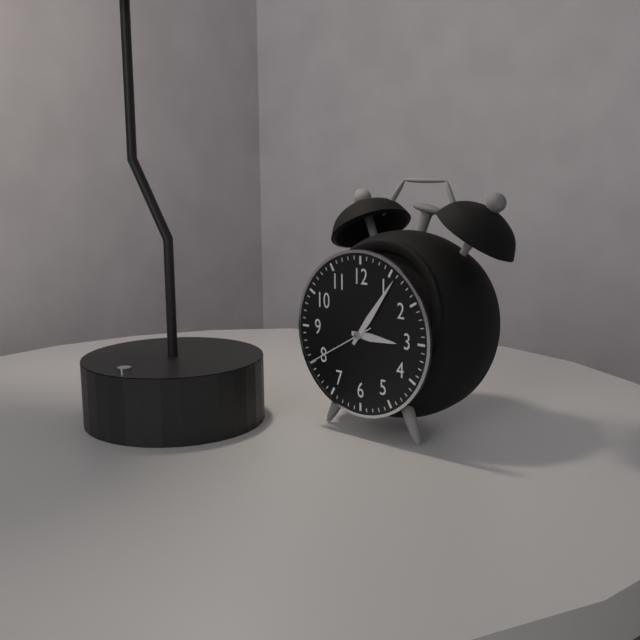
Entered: 3 h 06 min 40 s
